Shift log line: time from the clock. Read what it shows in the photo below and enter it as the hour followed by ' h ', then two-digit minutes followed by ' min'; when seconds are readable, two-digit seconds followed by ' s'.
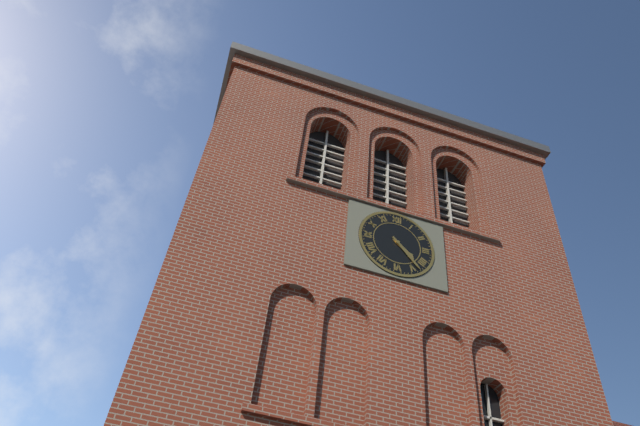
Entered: 4 h 23 min
